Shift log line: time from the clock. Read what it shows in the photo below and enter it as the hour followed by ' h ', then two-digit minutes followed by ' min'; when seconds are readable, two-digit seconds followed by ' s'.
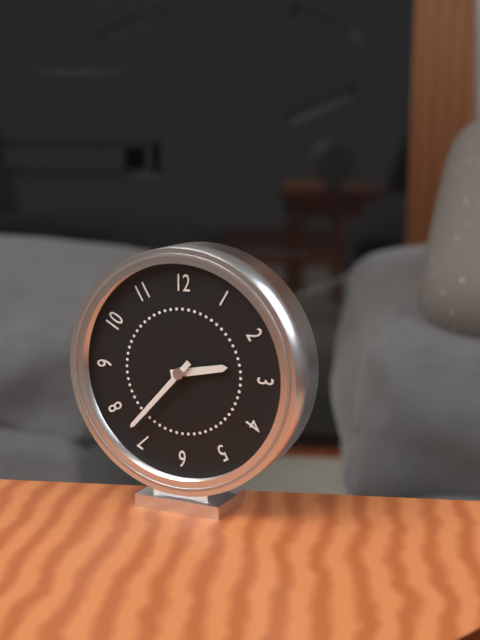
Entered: 2 h 37 min
